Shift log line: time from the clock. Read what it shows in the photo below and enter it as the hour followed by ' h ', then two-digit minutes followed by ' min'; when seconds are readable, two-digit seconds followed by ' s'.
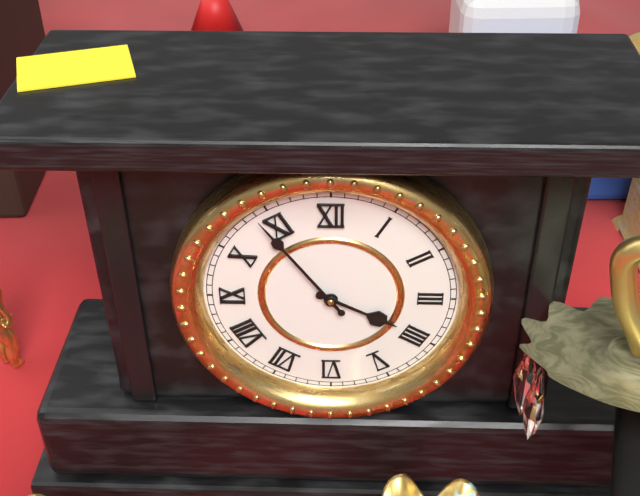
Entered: 3 h 54 min
